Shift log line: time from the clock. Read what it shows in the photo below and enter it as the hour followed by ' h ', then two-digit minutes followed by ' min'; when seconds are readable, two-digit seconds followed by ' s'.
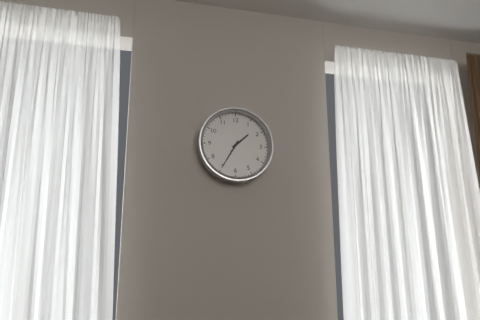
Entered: 1 h 35 min
